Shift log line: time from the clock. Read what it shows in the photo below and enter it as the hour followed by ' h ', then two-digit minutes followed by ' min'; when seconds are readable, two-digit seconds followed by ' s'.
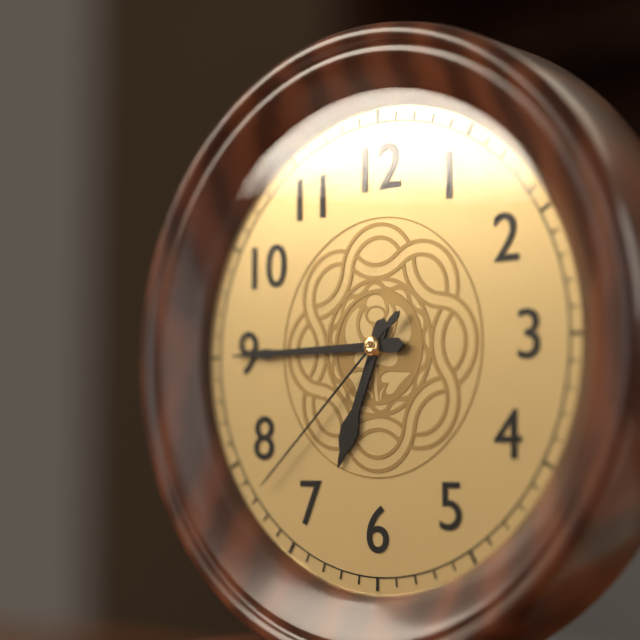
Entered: 6 h 45 min 38 s
